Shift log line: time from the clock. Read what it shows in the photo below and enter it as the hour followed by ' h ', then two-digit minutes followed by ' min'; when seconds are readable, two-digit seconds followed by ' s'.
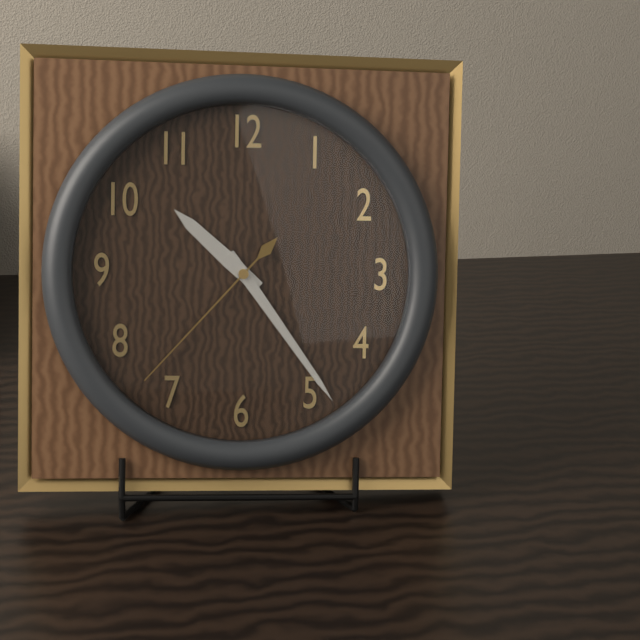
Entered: 10 h 24 min 37 s
